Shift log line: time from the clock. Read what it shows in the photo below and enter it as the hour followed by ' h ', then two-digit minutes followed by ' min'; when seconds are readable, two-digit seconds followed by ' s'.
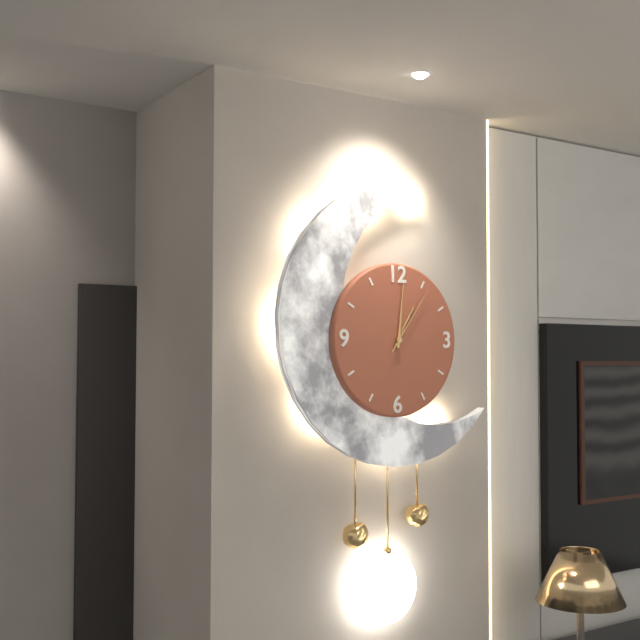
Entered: 1 h 01 min 06 s
